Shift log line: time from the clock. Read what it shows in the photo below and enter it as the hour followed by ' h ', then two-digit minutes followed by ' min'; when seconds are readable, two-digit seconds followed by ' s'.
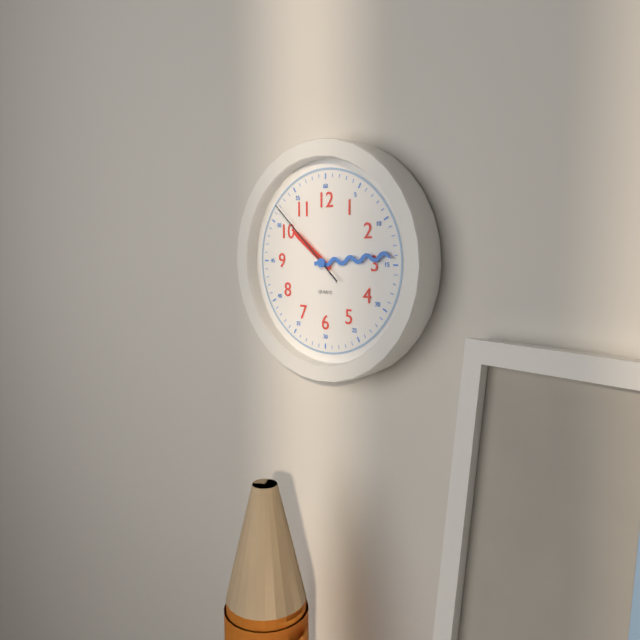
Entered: 10 h 14 min 52 s
